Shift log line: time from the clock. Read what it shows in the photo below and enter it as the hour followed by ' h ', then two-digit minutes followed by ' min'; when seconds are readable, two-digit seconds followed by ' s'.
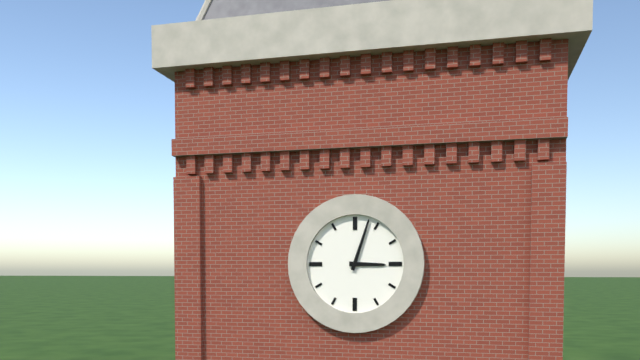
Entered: 3 h 03 min
